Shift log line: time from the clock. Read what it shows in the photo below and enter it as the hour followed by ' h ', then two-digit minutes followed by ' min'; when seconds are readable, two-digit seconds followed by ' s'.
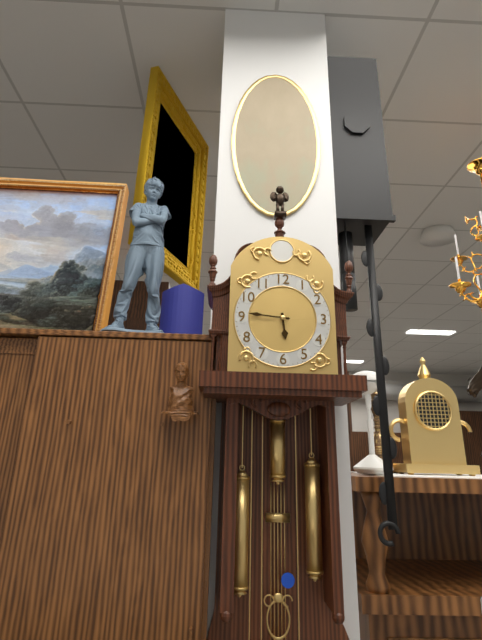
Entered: 5 h 46 min
